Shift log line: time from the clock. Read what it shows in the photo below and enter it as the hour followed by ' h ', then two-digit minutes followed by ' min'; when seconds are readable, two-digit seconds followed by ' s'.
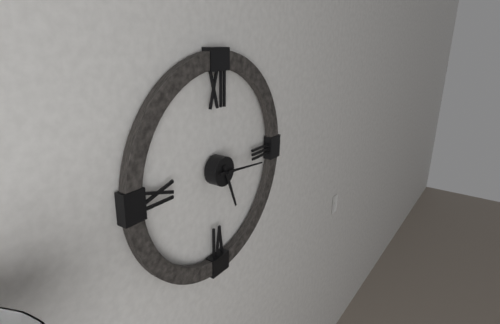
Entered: 5 h 16 min
